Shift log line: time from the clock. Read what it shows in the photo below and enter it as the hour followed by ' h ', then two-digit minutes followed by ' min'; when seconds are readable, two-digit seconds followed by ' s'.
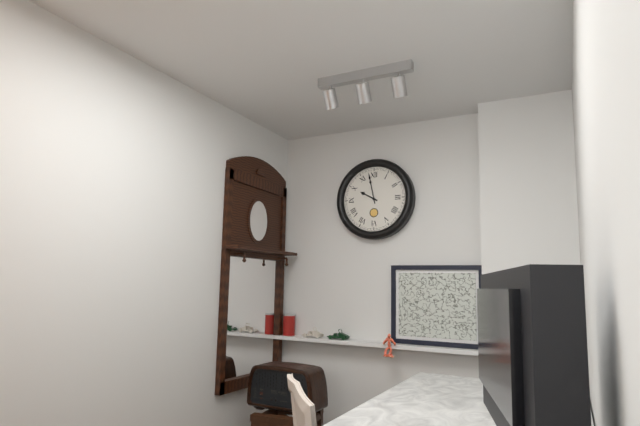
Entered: 9 h 58 min
